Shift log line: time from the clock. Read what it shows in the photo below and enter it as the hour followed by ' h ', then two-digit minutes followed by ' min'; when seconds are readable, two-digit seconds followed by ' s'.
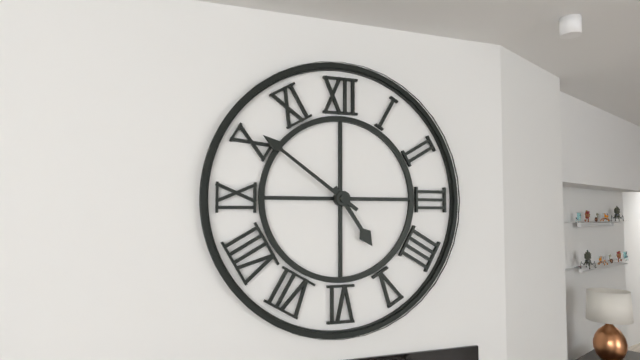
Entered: 4 h 51 min
